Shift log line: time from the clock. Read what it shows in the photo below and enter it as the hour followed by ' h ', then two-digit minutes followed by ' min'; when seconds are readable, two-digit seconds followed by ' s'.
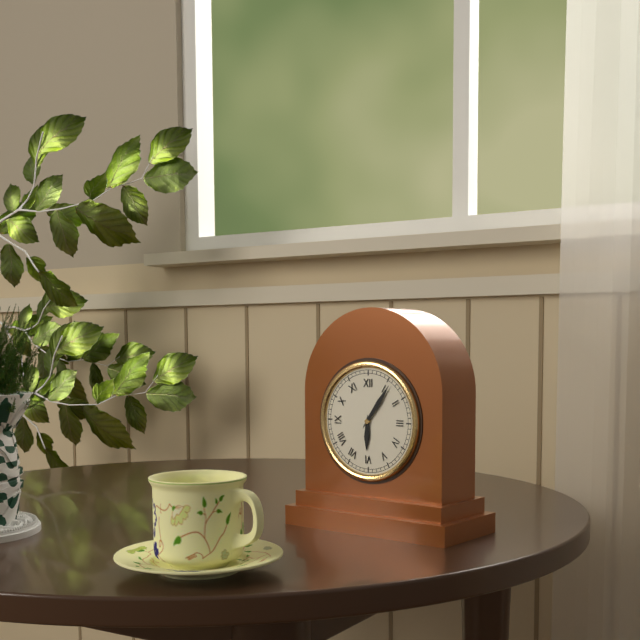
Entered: 6 h 06 min
